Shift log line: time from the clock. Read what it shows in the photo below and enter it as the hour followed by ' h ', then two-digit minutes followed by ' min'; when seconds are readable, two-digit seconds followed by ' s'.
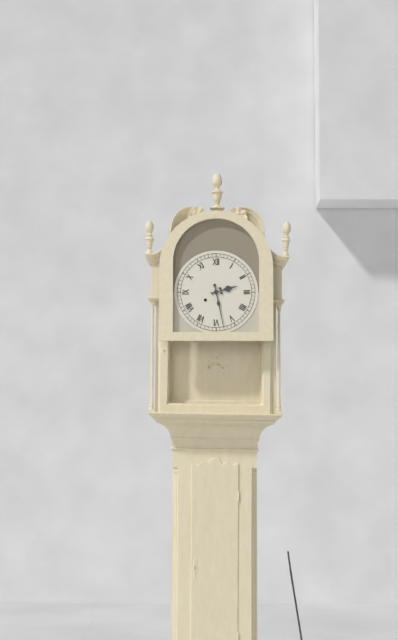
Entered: 2 h 28 min
